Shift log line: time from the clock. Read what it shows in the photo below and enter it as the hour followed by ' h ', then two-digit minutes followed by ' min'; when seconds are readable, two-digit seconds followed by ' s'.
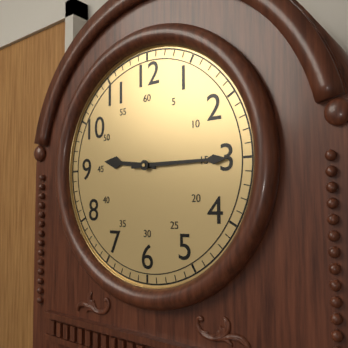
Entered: 9 h 15 min
